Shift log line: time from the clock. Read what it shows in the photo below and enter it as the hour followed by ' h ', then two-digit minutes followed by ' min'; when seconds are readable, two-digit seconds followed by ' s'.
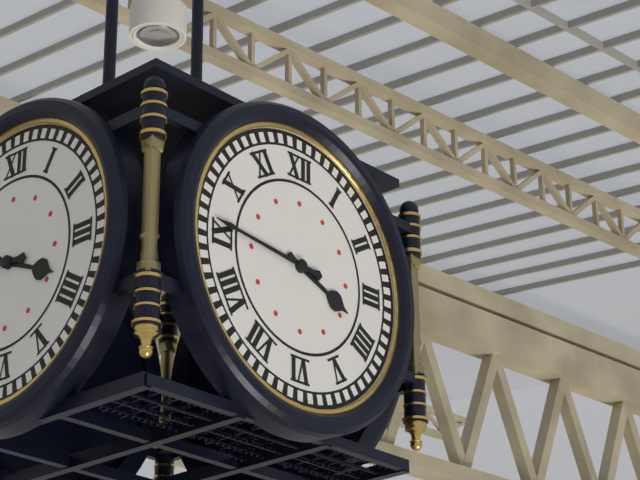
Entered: 3 h 46 min
